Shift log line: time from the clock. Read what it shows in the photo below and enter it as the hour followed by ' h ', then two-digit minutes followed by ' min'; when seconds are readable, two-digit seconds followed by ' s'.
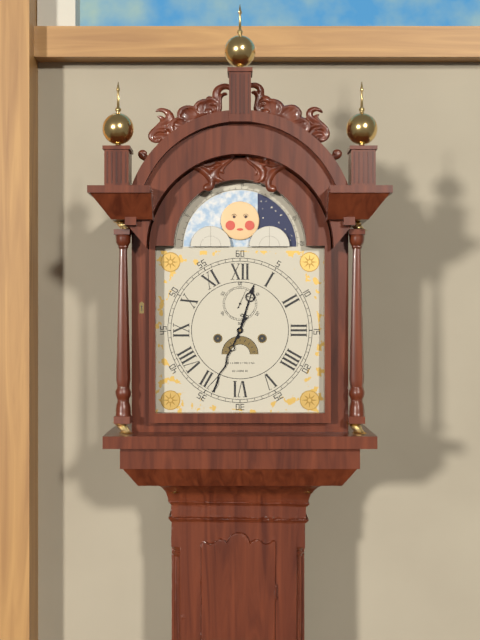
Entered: 12 h 34 min
